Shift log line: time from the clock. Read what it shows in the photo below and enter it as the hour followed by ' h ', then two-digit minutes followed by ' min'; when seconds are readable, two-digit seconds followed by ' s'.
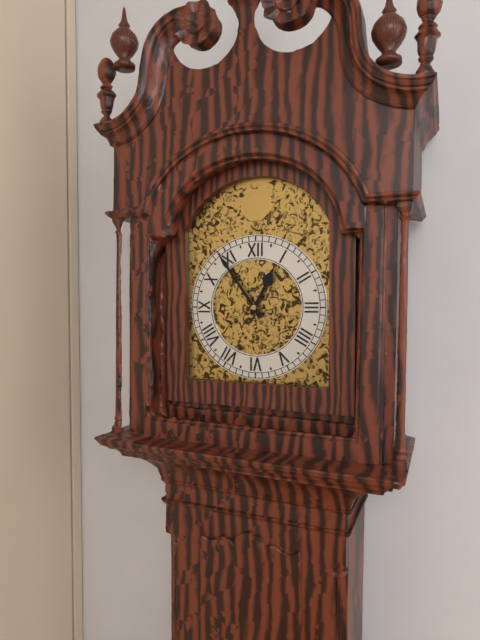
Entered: 12 h 54 min
